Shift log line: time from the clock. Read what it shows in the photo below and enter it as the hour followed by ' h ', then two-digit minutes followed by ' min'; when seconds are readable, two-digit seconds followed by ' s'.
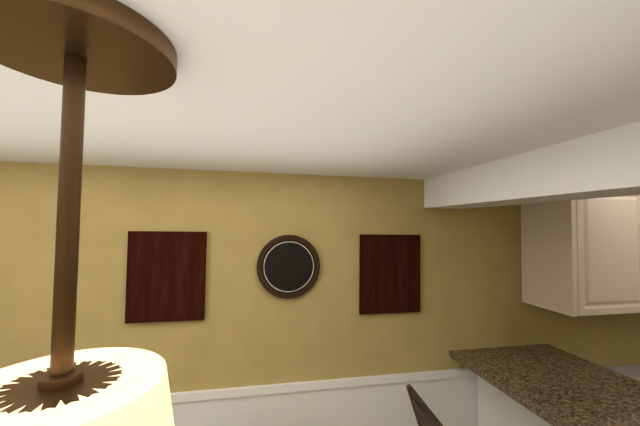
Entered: 10 h 48 min
